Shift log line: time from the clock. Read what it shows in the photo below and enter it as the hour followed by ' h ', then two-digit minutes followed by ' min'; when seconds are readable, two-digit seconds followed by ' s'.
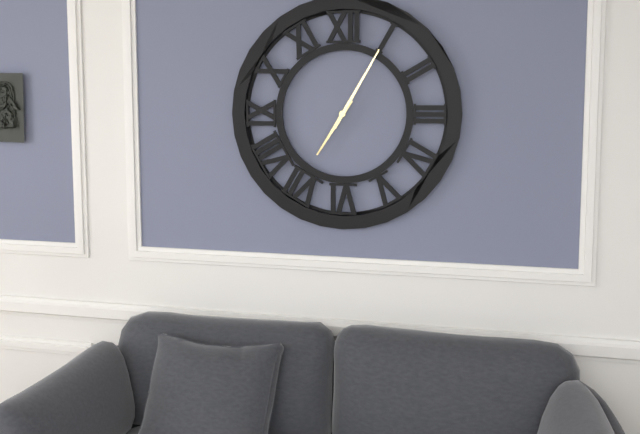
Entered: 7 h 05 min
